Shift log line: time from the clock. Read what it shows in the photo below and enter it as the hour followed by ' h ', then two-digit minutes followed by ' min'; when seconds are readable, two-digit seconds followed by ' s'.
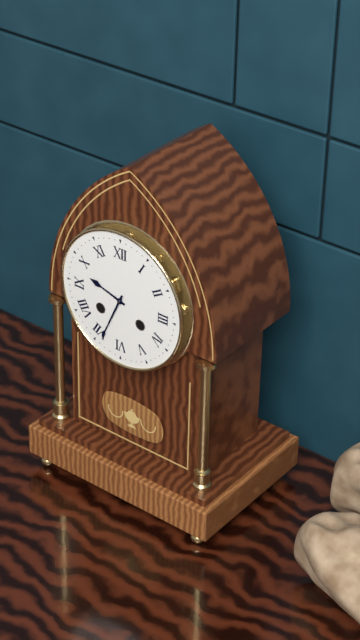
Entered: 9 h 34 min
